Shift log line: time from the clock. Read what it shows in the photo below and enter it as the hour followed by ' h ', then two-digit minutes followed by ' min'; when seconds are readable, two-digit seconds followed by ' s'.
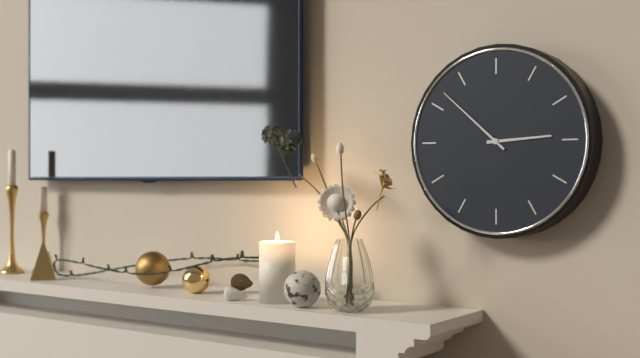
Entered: 2 h 52 min
